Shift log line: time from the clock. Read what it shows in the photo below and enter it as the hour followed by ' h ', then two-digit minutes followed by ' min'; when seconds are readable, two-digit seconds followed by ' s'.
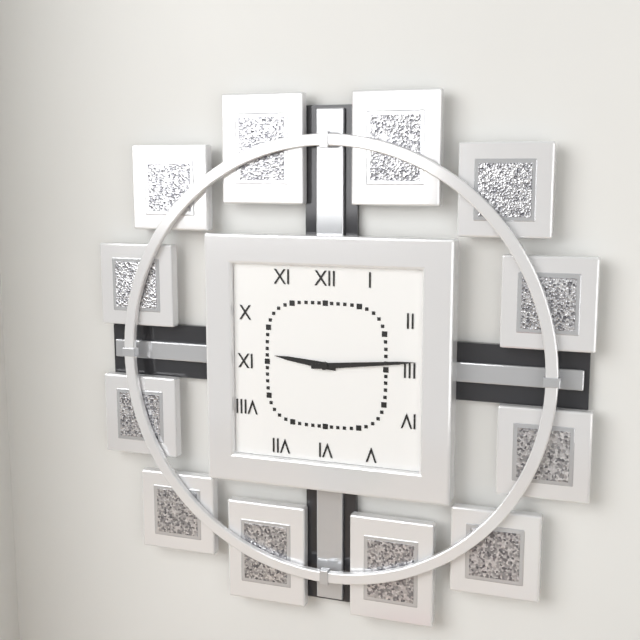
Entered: 9 h 14 min
